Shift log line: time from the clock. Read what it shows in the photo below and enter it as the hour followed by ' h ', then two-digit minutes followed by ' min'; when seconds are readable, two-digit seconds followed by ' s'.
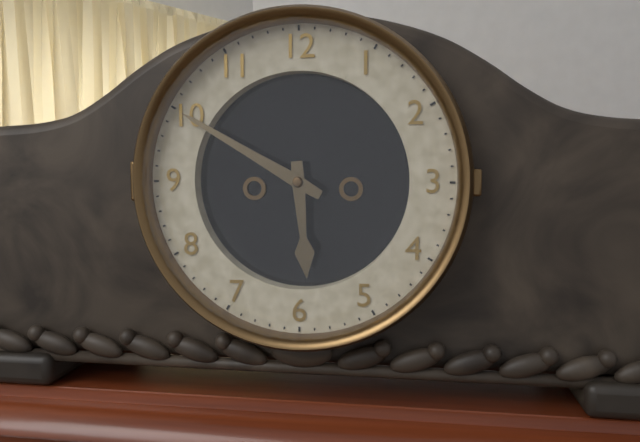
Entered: 5 h 50 min
